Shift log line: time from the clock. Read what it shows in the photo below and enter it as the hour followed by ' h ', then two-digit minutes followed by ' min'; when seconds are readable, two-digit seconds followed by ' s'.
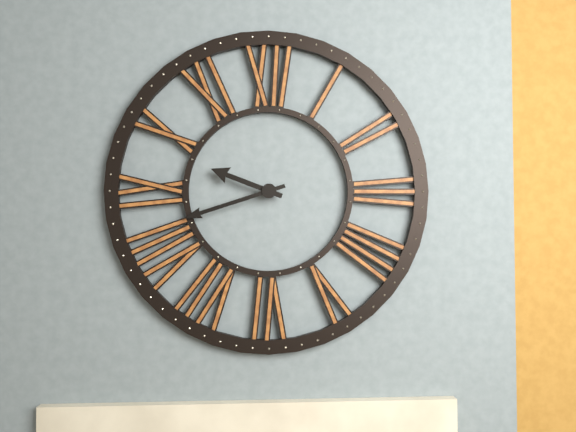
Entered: 9 h 42 min
